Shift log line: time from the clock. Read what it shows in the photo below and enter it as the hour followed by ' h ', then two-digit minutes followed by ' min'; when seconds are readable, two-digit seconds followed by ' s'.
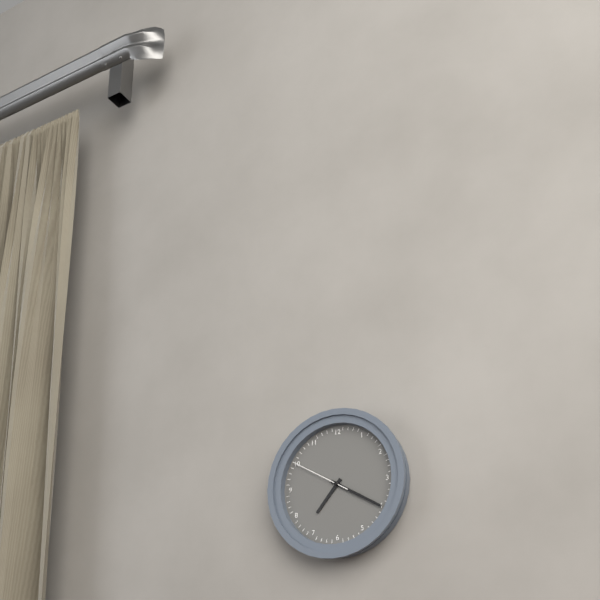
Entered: 7 h 20 min 50 s
